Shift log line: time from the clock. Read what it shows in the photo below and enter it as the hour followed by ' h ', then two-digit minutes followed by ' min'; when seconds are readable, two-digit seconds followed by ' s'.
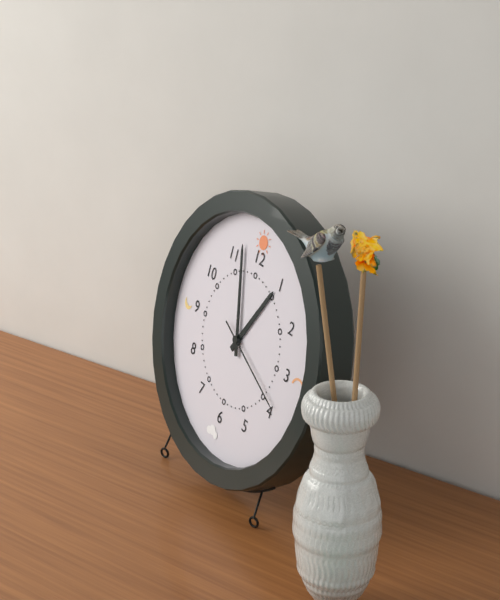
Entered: 12 h 57 min 19 s
